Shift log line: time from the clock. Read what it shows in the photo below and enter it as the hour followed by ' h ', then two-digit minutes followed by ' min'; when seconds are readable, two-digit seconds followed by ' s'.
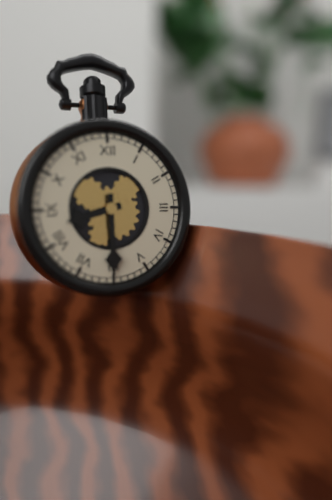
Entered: 8 h 30 min
